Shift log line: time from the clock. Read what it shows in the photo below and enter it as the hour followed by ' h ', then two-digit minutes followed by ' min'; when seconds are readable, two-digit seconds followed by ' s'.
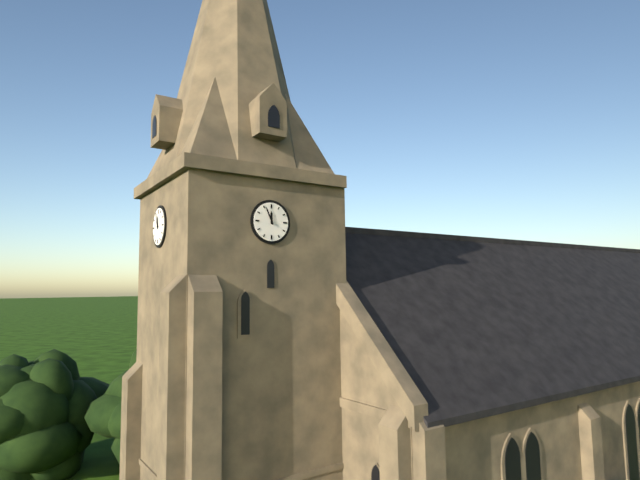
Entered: 11 h 56 min
